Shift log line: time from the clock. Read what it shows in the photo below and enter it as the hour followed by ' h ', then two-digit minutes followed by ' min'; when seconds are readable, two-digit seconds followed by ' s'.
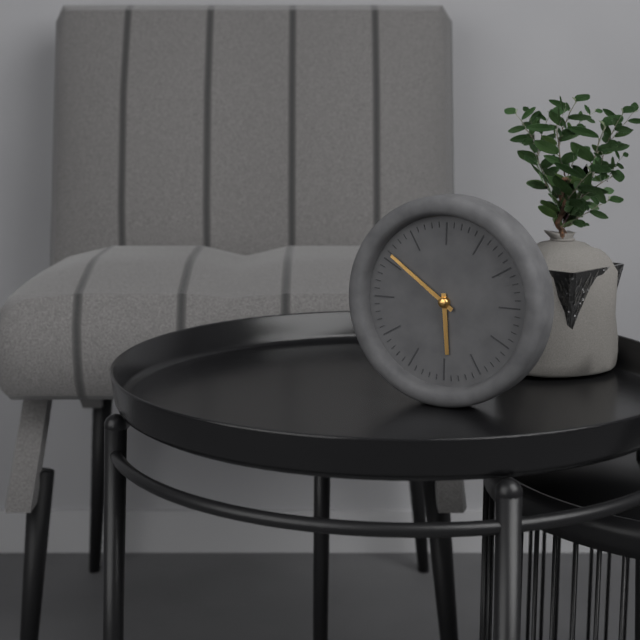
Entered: 5 h 51 min
